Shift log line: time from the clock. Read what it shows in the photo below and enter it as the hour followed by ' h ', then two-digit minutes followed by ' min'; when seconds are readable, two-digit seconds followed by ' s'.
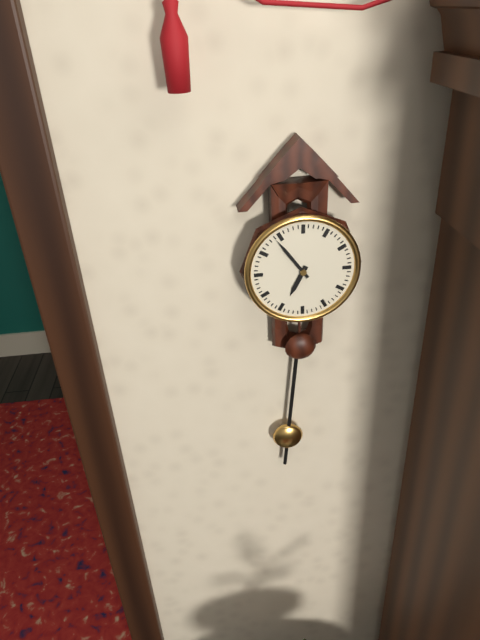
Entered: 6 h 54 min
